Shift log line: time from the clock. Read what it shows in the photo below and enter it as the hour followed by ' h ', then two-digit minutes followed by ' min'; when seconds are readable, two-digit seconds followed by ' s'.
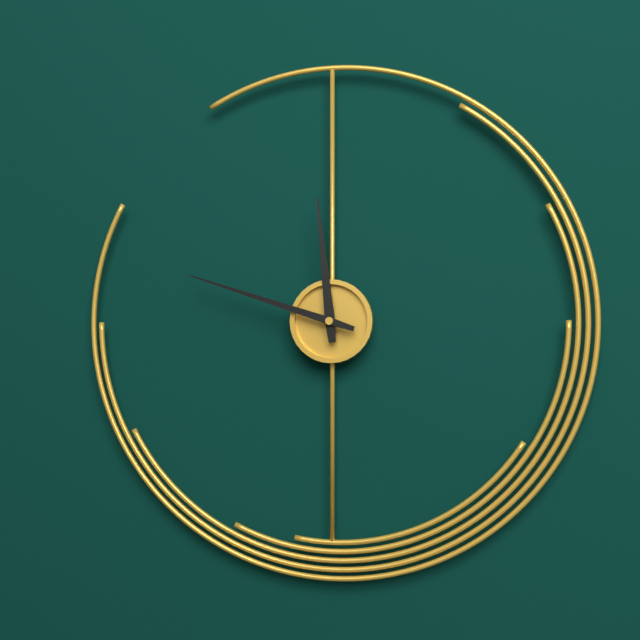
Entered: 11 h 48 min
